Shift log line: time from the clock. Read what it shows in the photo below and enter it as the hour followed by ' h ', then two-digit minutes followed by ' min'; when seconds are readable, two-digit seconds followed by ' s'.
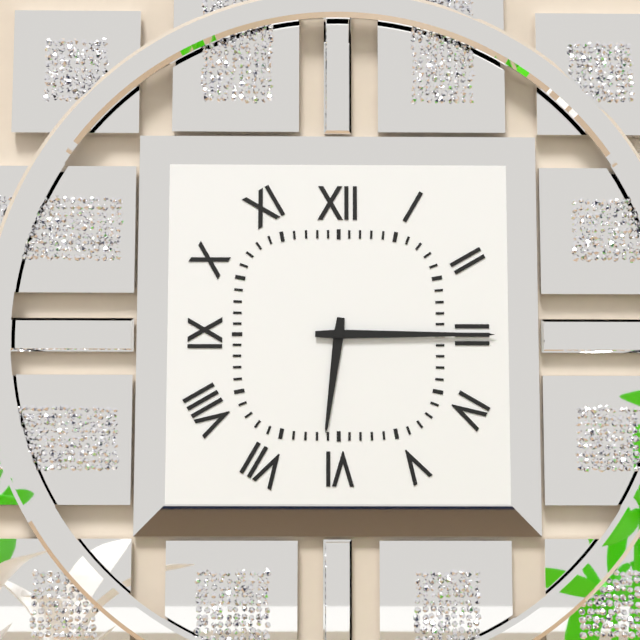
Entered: 6 h 15 min
